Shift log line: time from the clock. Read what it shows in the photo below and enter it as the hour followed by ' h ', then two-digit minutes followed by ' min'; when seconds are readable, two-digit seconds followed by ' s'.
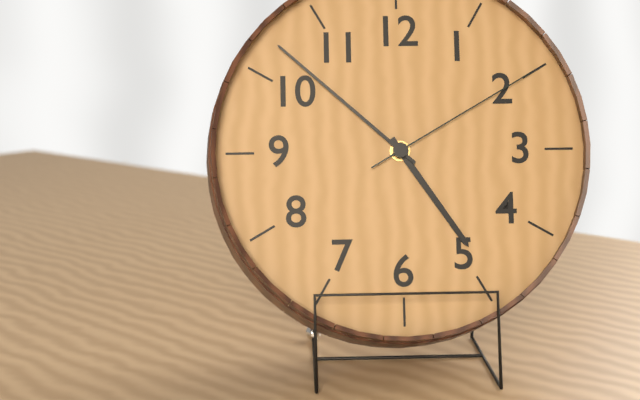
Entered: 4 h 52 min 10 s
